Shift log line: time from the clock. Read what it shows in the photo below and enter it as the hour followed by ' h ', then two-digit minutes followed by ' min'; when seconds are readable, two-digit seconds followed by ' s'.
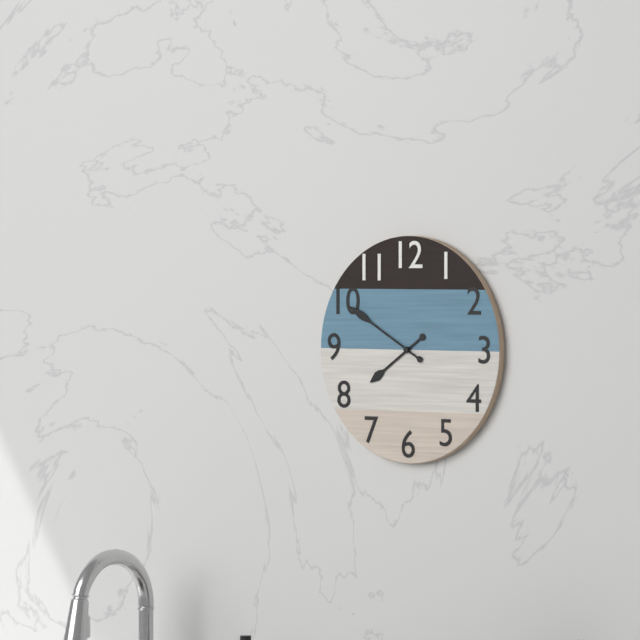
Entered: 7 h 50 min
